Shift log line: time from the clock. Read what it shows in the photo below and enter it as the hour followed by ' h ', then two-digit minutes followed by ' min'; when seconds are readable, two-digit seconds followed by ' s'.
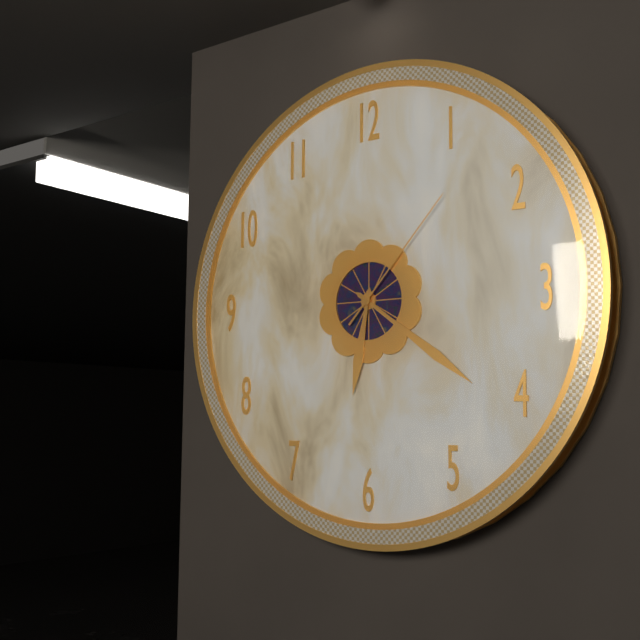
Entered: 6 h 21 min 07 s
